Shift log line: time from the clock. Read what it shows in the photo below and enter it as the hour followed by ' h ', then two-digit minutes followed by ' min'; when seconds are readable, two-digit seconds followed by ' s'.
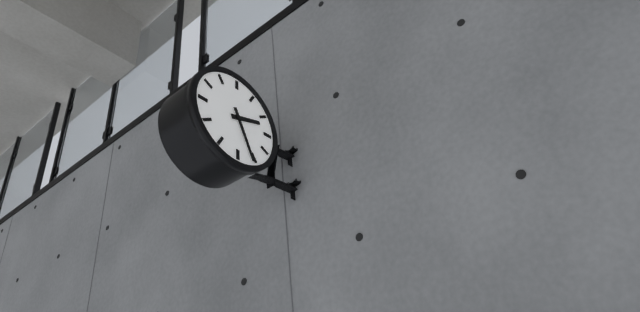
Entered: 2 h 26 min
